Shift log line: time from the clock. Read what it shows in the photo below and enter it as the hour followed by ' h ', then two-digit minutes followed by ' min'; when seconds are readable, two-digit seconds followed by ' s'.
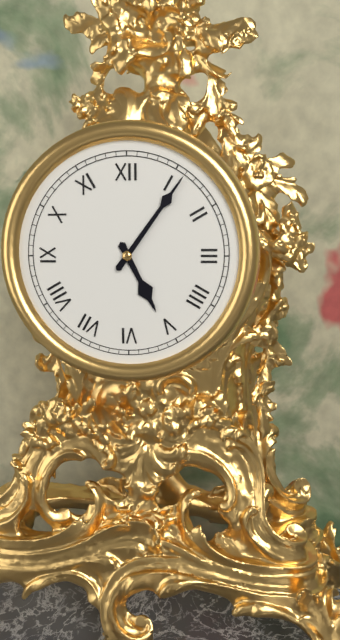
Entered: 5 h 06 min
